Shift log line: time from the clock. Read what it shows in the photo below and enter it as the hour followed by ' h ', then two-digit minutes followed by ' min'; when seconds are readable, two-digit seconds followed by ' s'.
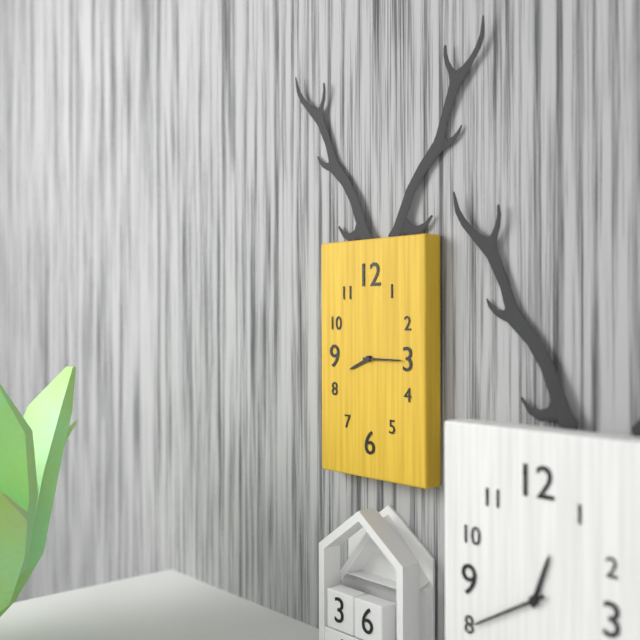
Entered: 8 h 15 min
